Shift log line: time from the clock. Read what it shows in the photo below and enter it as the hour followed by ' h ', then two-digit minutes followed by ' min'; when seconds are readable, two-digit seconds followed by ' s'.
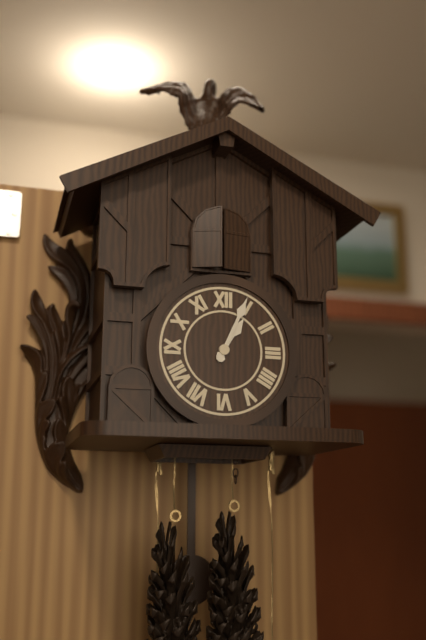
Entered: 1 h 04 min
